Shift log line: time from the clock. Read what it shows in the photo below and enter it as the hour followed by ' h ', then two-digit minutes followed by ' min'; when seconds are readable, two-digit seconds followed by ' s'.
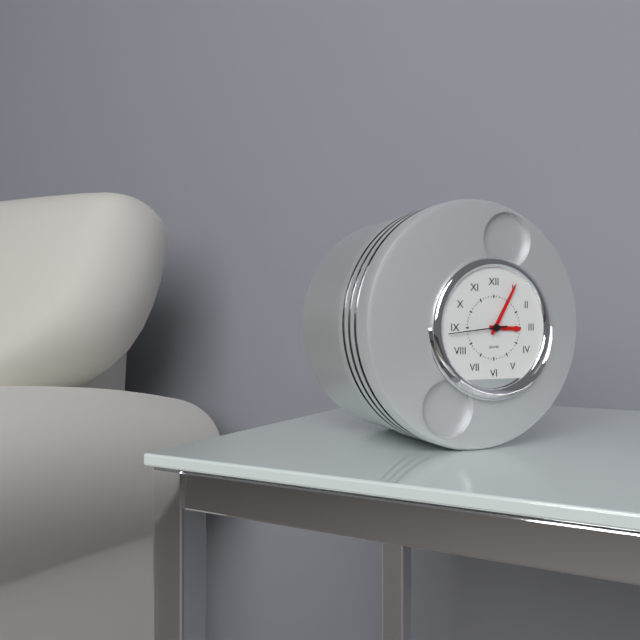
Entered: 3 h 05 min 44 s
